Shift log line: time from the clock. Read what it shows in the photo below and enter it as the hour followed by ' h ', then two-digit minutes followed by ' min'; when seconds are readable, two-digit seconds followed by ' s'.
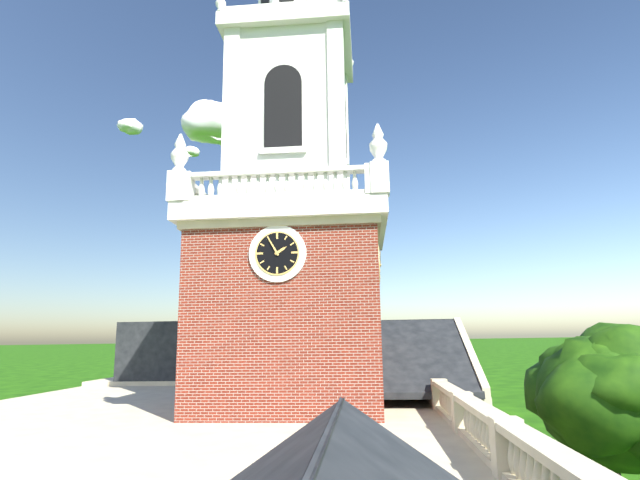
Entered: 1 h 55 min
